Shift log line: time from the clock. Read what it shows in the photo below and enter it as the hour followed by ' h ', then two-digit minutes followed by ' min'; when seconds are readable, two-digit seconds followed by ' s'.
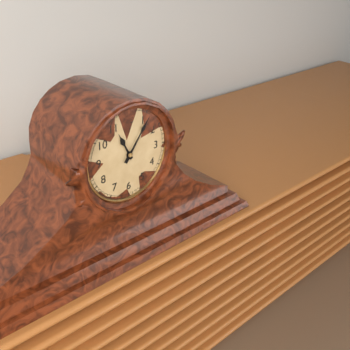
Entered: 11 h 06 min
